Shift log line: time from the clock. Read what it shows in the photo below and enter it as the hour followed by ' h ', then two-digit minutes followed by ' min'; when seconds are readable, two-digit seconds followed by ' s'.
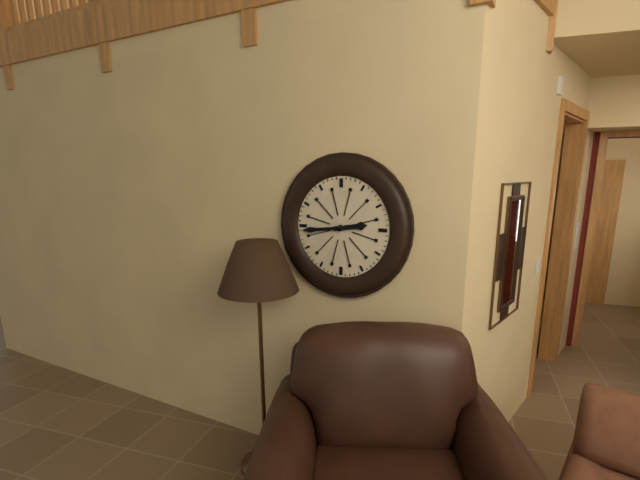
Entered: 2 h 44 min
